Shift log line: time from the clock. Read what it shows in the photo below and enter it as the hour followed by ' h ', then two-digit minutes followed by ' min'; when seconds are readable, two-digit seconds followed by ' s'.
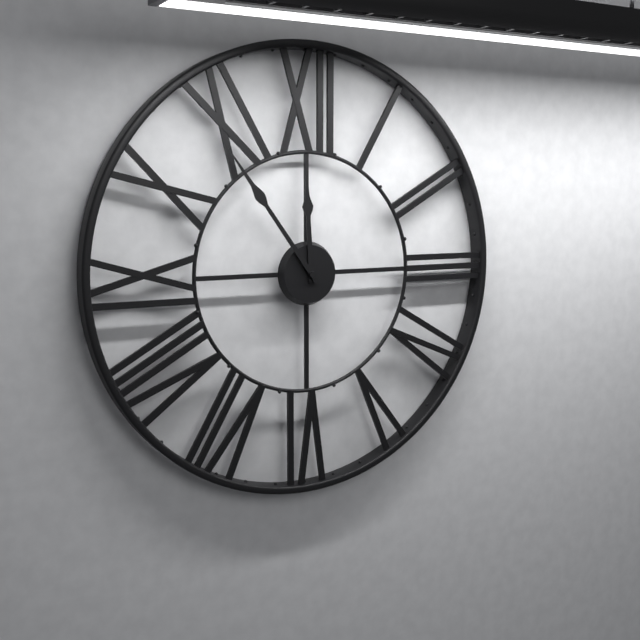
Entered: 11 h 54 min
